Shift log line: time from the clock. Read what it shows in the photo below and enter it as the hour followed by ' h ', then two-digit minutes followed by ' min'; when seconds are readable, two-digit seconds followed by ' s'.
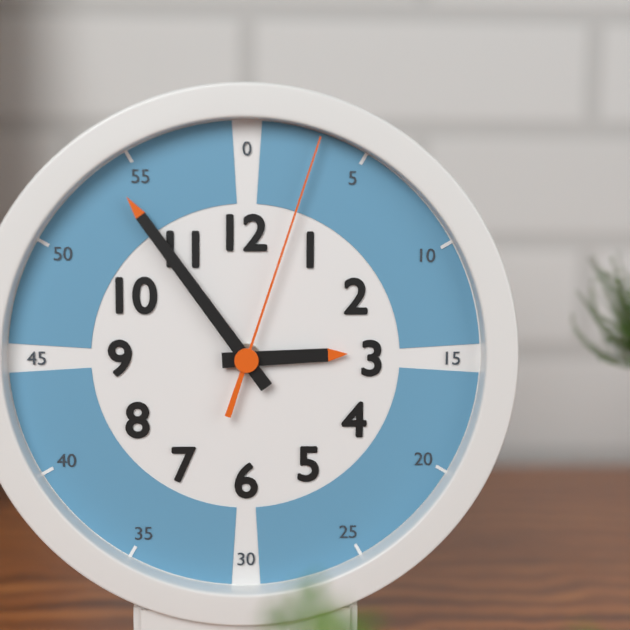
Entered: 2 h 54 min 03 s
